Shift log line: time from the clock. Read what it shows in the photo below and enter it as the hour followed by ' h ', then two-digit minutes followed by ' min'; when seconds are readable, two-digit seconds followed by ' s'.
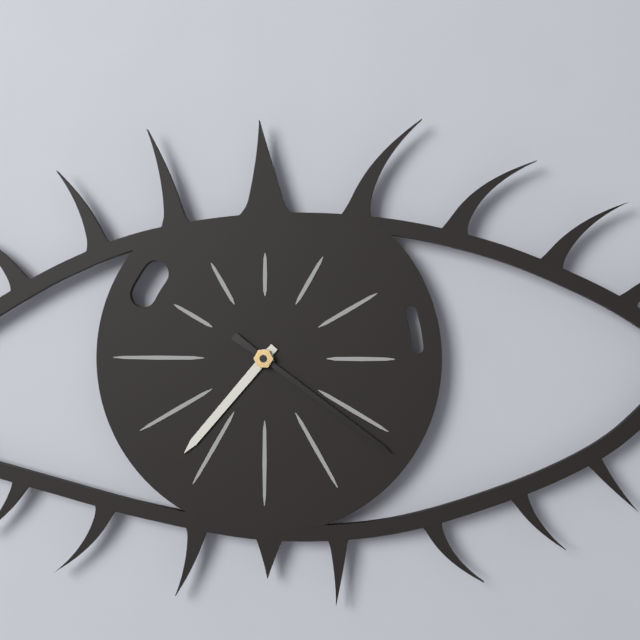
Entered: 7 h 21 min
